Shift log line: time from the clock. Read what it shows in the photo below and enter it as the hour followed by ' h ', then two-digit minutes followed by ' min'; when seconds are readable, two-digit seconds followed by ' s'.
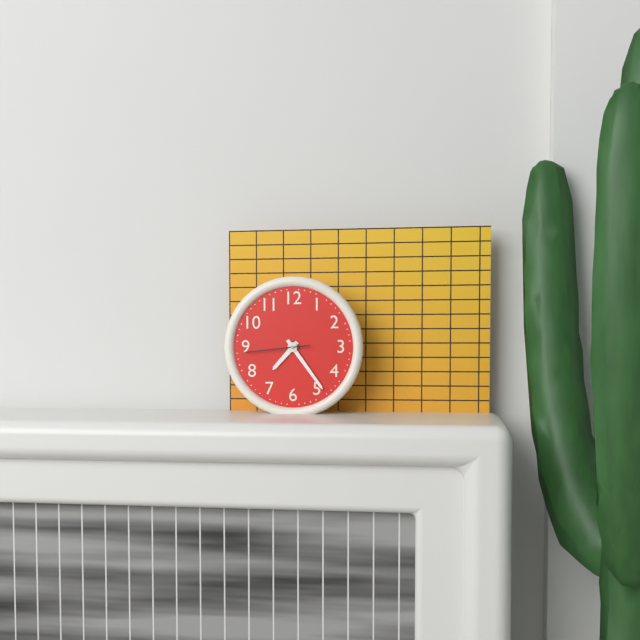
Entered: 7 h 24 min 44 s
